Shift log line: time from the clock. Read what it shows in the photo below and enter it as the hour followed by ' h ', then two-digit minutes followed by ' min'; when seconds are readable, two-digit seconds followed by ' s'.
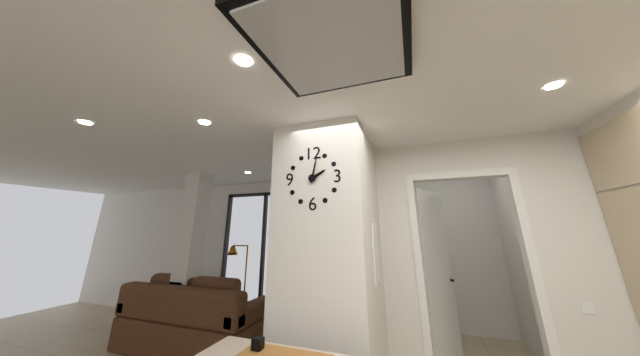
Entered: 2 h 02 min
